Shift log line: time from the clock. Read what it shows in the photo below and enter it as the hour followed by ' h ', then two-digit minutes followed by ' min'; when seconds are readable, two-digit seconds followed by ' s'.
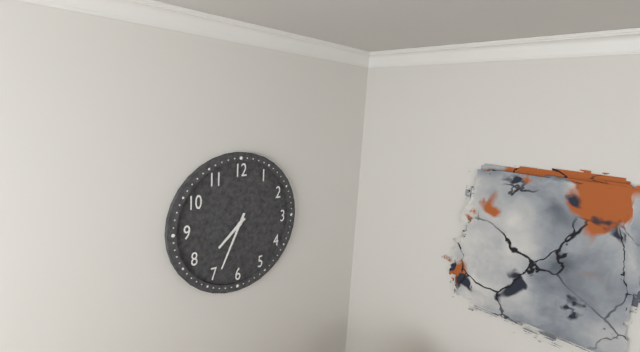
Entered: 7 h 34 min
